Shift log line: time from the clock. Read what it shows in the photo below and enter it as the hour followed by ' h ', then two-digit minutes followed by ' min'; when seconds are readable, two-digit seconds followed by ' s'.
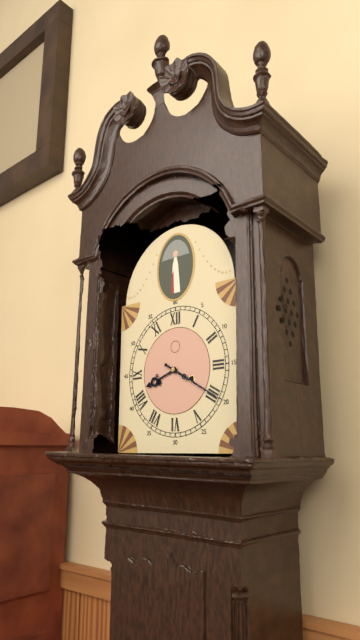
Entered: 8 h 20 min
